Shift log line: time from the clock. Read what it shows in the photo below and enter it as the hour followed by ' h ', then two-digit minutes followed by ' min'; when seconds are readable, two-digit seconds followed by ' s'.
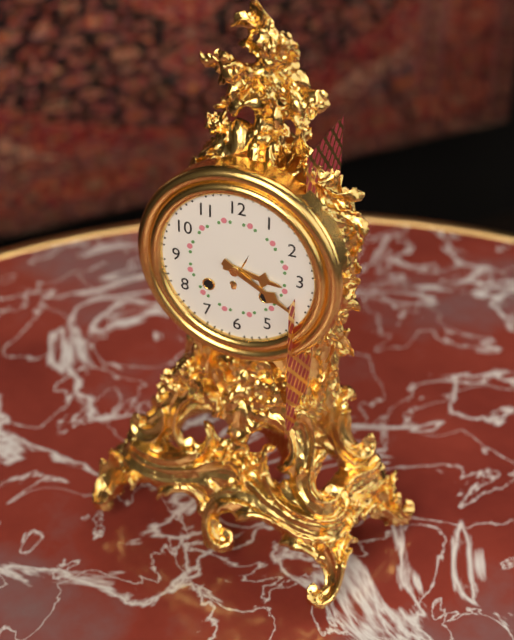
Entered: 3 h 20 min
